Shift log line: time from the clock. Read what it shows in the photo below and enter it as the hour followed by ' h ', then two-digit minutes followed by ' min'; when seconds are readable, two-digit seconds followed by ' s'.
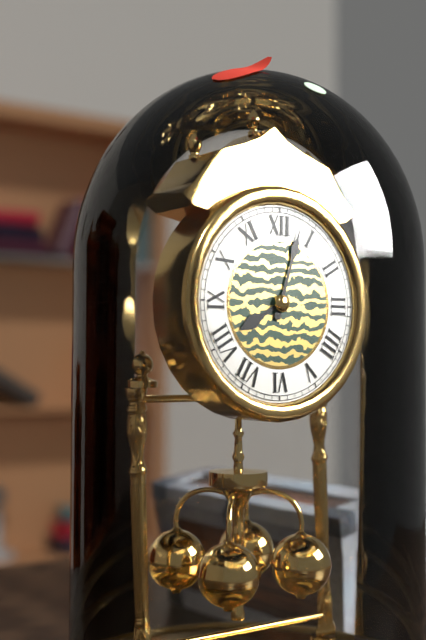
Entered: 8 h 03 min
